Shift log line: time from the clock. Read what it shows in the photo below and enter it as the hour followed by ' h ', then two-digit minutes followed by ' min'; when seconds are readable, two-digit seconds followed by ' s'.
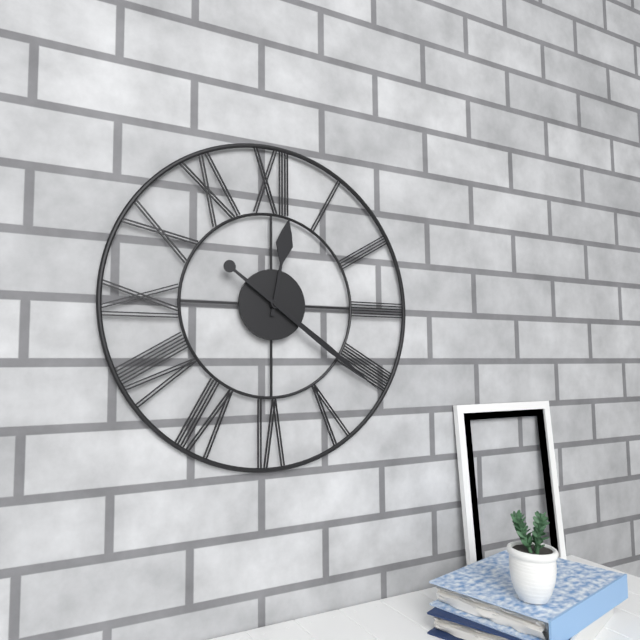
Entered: 12 h 21 min
